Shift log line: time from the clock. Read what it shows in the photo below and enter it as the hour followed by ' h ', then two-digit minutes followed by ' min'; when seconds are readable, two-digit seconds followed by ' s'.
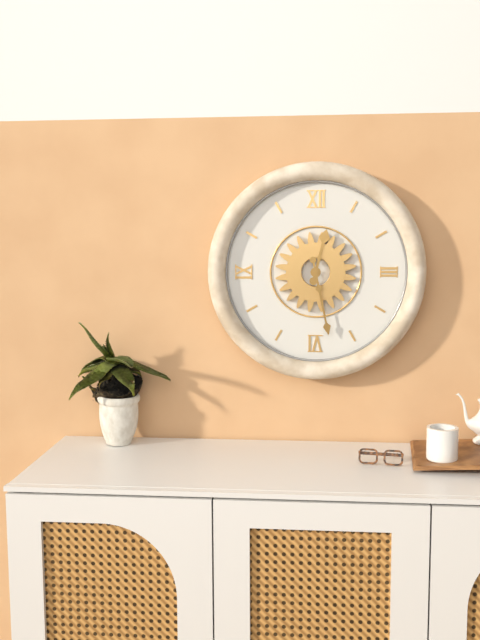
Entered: 12 h 28 min
